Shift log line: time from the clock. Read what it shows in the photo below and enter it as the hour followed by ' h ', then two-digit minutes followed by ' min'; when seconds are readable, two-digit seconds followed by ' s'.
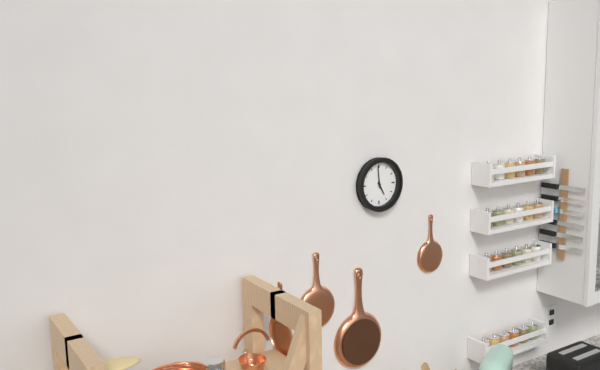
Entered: 4 h 59 min
